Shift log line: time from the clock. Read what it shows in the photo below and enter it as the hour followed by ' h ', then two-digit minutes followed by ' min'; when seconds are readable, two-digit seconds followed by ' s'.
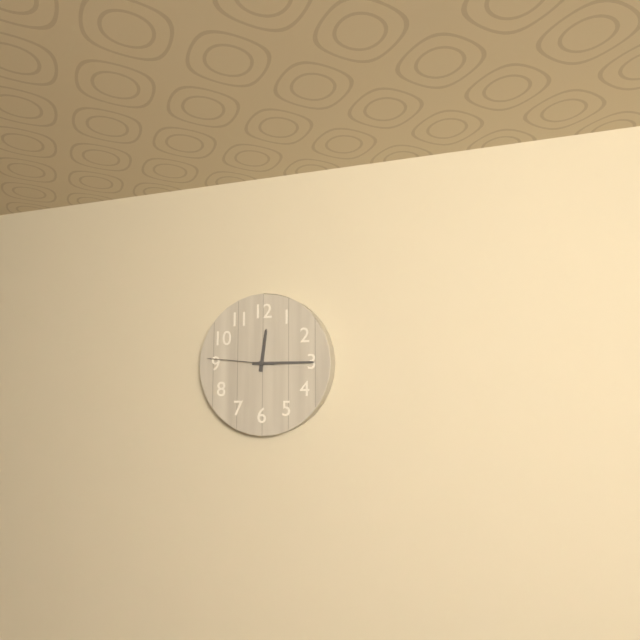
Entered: 12 h 15 min 46 s
